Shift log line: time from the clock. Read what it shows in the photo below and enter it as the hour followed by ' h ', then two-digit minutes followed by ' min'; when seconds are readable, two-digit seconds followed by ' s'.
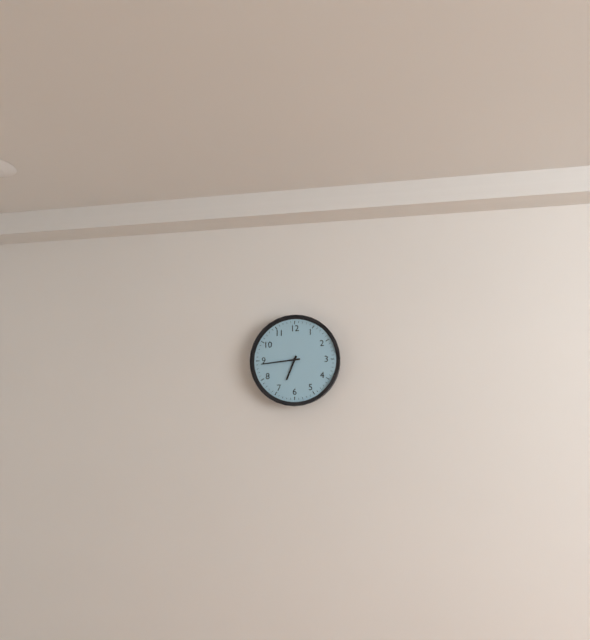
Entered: 6 h 44 min
